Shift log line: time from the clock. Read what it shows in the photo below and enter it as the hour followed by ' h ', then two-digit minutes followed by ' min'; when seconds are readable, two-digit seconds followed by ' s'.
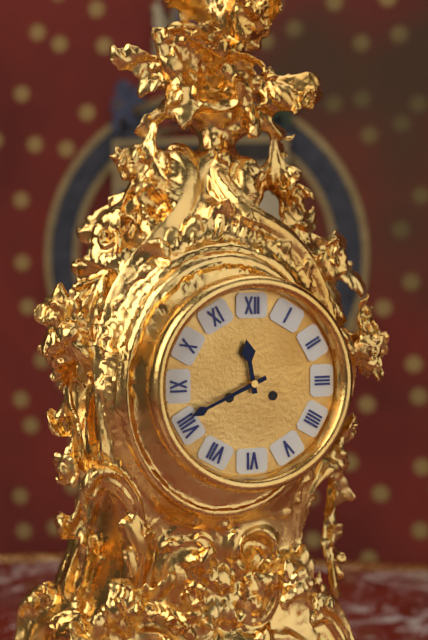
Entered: 11 h 41 min
